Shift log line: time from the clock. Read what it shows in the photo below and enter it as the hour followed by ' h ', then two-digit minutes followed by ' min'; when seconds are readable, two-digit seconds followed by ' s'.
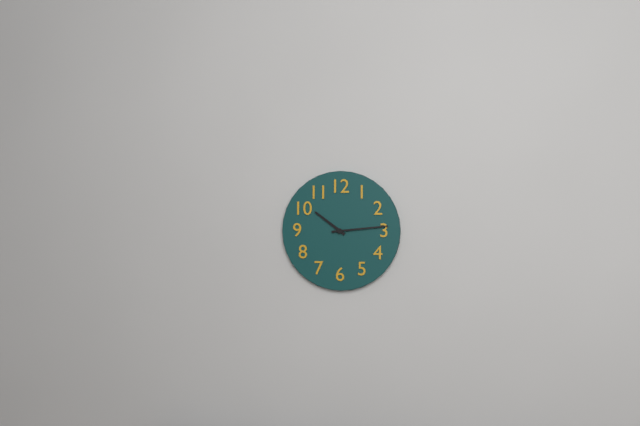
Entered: 10 h 14 min
